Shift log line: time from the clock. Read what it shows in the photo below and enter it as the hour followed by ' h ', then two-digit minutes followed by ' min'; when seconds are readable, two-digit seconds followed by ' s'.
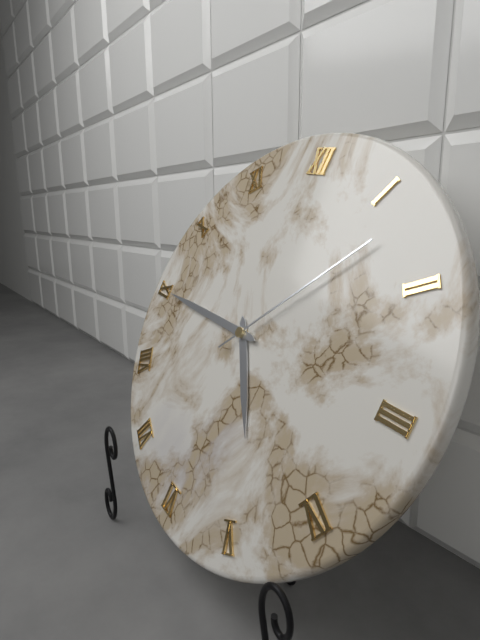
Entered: 4 h 45 min 07 s
